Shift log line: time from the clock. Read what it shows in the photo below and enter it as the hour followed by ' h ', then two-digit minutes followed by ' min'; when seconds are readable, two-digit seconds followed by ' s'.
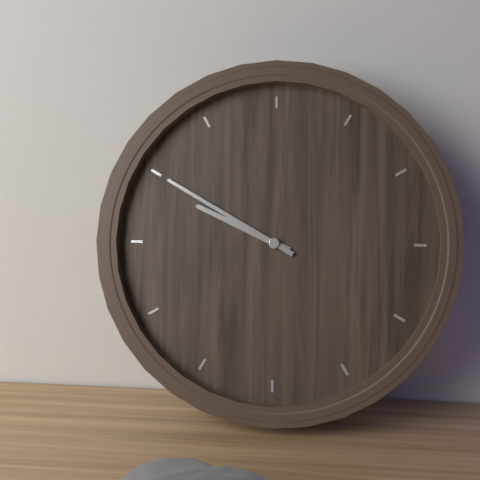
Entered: 9 h 50 min
